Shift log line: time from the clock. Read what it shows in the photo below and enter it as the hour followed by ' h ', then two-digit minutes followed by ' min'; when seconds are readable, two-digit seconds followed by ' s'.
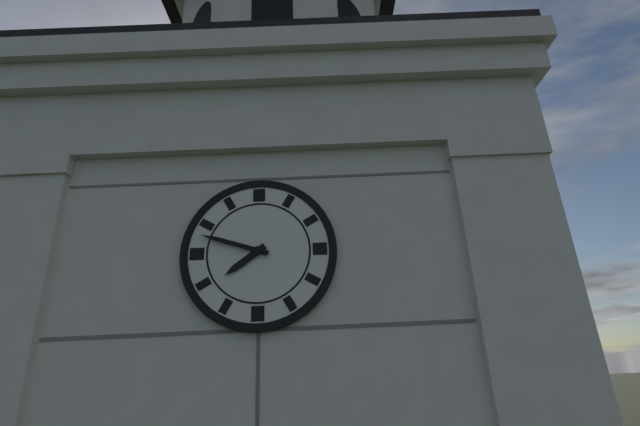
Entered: 7 h 48 min
